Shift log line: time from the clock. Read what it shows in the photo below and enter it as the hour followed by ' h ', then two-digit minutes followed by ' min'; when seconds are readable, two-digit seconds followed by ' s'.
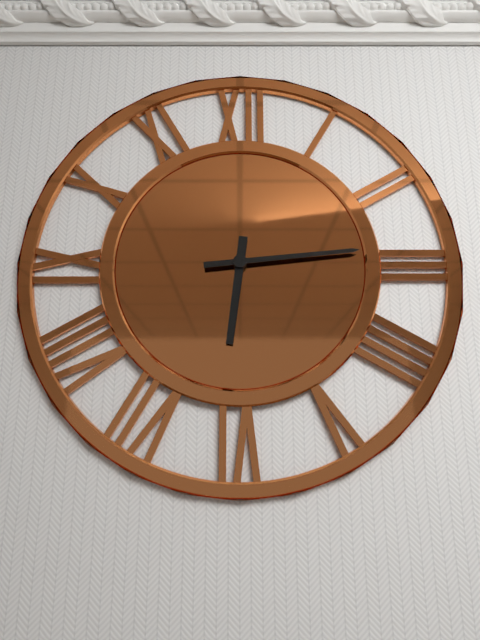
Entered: 6 h 14 min
